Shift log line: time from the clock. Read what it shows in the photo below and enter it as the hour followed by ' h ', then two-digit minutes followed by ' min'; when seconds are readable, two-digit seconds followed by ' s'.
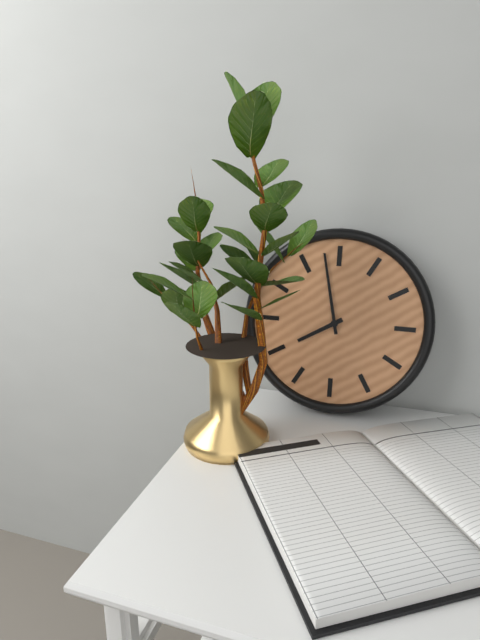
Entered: 7 h 58 min
